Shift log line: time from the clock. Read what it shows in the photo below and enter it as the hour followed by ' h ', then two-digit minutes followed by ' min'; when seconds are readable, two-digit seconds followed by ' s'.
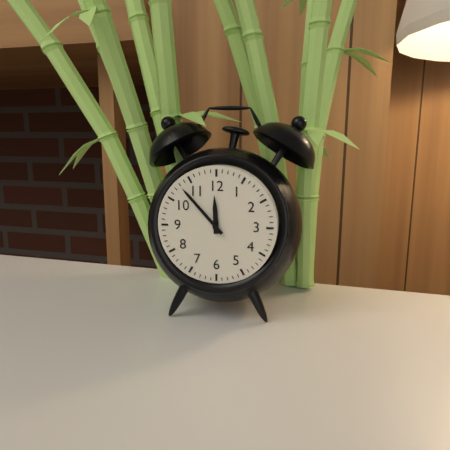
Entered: 11 h 53 min
